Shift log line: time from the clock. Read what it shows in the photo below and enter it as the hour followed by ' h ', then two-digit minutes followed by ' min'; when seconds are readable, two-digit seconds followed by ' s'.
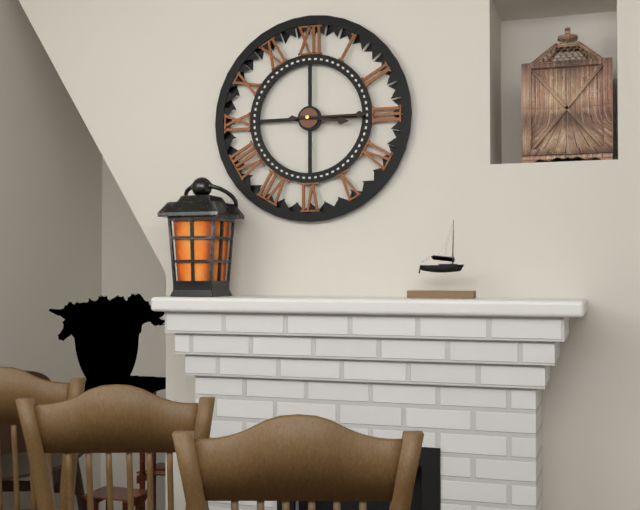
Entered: 3 h 15 min
